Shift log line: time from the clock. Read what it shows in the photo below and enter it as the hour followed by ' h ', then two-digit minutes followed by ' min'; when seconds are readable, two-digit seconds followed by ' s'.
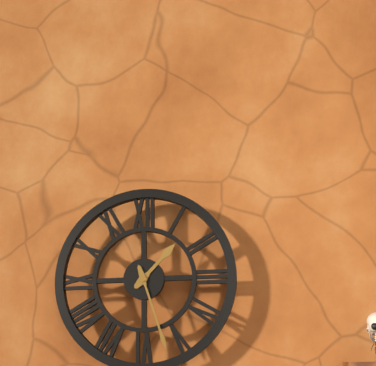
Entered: 1 h 27 min
